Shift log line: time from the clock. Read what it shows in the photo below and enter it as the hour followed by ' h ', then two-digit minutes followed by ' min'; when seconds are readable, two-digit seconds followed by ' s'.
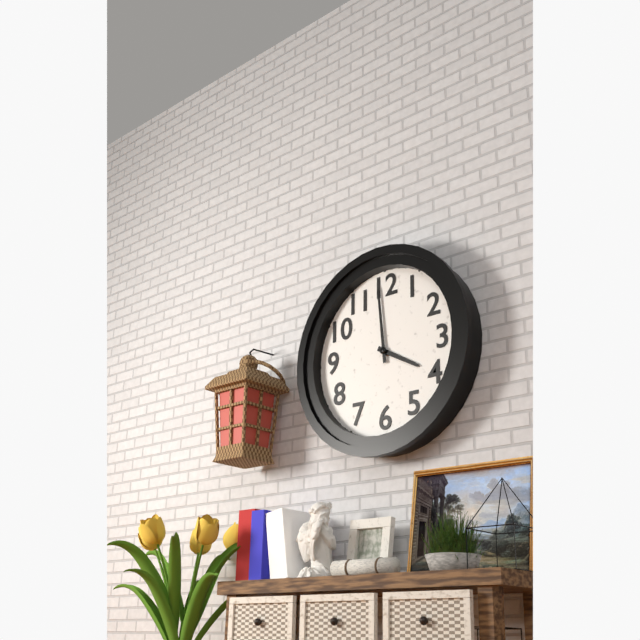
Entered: 3 h 59 min
